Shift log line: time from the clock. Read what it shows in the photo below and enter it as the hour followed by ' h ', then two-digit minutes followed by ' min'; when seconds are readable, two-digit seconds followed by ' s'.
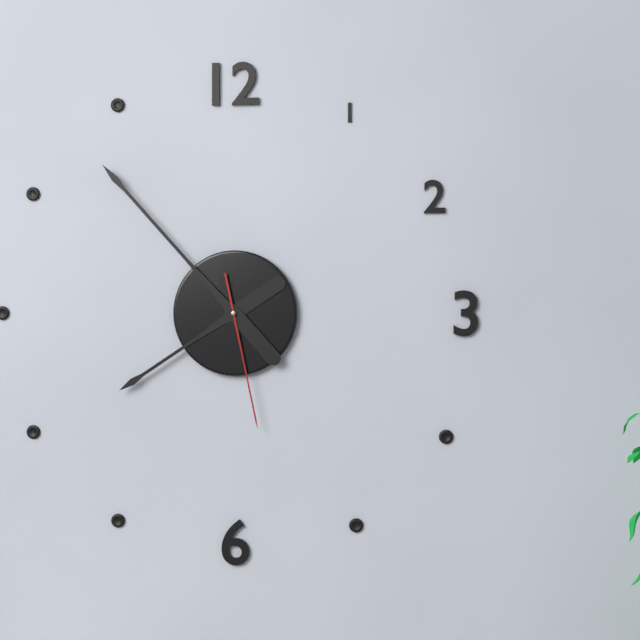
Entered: 7 h 53 min 28 s
